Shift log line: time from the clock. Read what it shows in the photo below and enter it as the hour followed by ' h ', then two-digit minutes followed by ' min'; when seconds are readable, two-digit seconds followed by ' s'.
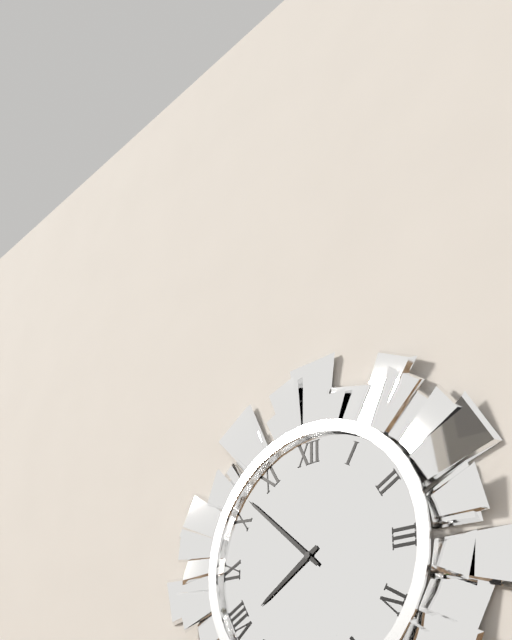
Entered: 7 h 52 min
